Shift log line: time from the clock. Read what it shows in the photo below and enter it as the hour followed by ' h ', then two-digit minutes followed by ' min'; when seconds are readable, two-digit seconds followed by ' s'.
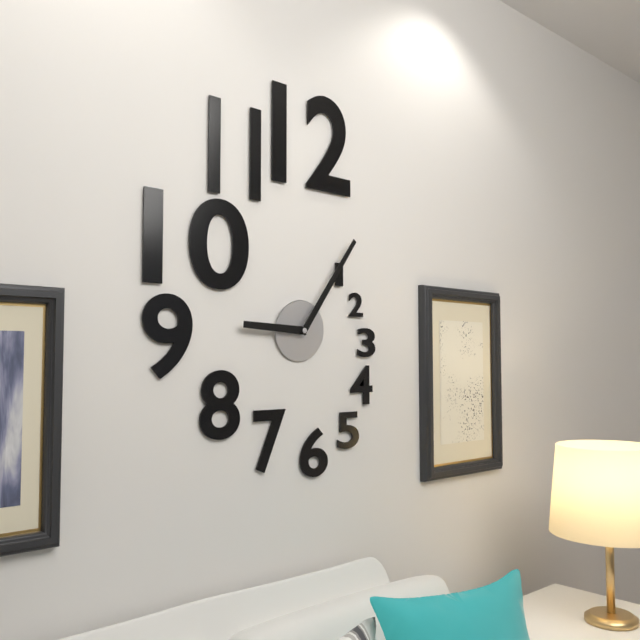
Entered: 9 h 06 min
